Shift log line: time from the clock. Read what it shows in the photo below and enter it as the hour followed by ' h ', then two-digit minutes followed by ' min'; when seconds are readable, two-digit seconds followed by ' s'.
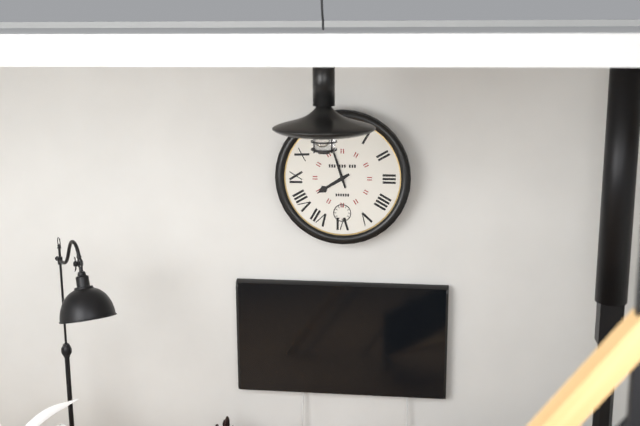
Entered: 7 h 57 min
